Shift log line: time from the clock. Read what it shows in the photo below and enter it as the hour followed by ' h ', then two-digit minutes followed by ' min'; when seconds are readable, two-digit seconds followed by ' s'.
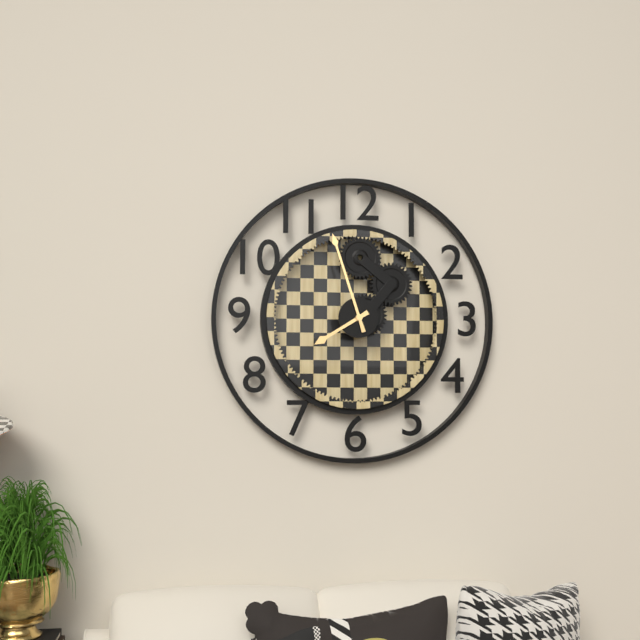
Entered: 7 h 57 min
